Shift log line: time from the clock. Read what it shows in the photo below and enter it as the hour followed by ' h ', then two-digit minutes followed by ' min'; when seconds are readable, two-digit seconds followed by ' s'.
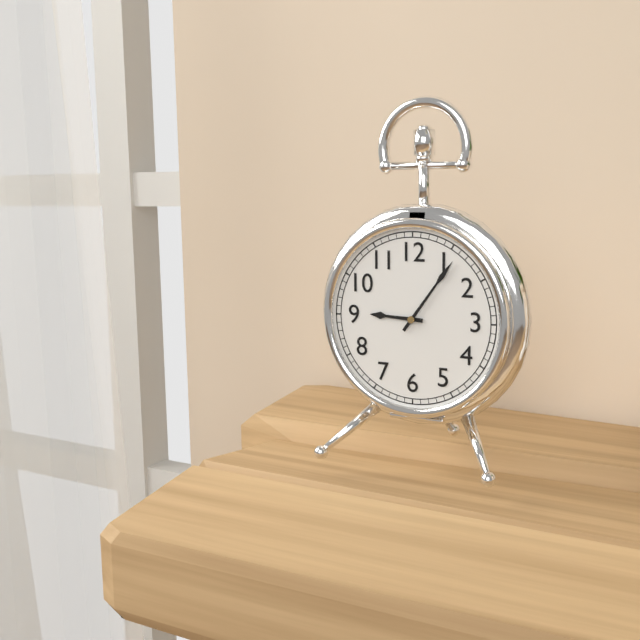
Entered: 9 h 06 min
